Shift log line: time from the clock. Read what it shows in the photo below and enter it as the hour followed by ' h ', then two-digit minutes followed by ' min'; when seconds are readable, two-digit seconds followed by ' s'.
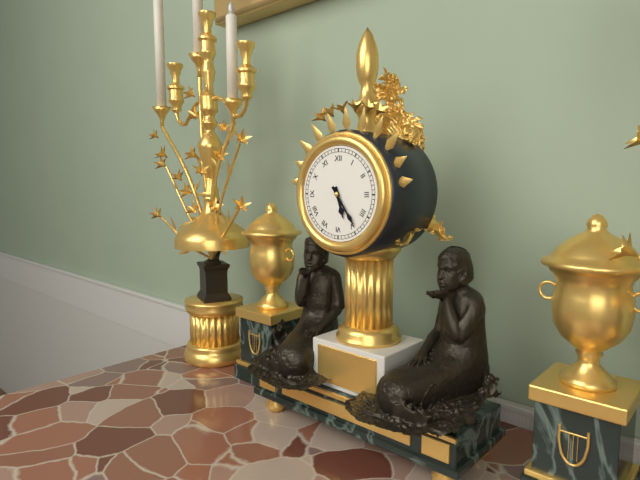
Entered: 5 h 24 min
